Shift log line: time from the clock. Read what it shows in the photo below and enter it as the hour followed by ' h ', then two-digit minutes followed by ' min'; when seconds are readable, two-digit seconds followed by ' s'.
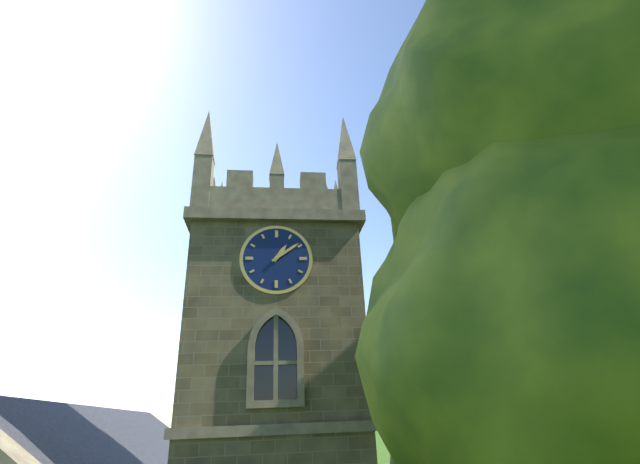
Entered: 1 h 09 min
